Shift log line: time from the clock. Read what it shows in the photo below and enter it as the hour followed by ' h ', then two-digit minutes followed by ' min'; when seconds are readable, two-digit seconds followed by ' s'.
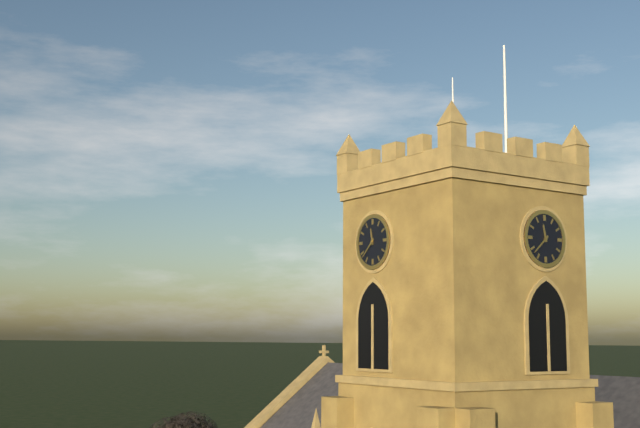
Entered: 11 h 38 min
